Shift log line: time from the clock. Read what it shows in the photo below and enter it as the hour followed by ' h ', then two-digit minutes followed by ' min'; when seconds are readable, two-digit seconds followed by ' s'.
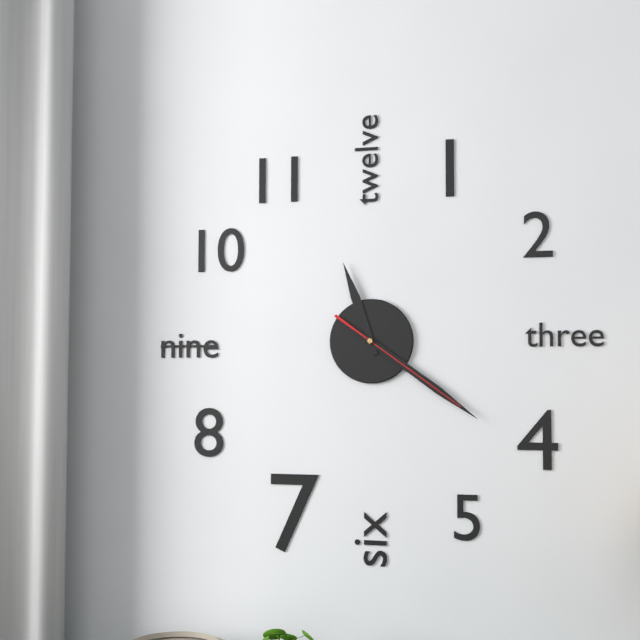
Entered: 11 h 21 min 21 s
